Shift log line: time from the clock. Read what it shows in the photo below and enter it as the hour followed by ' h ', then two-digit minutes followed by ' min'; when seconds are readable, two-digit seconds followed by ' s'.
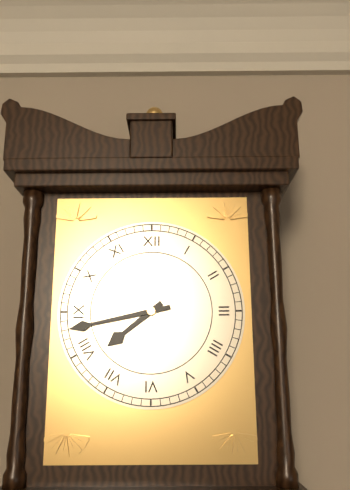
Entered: 7 h 43 min
